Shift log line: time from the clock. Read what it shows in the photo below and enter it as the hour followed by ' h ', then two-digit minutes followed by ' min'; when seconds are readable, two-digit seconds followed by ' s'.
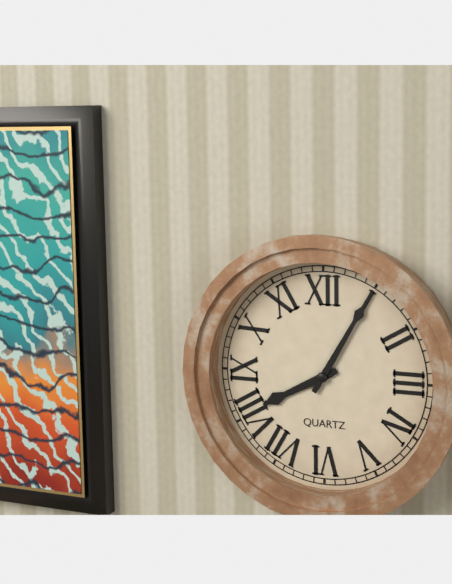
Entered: 8 h 05 min
